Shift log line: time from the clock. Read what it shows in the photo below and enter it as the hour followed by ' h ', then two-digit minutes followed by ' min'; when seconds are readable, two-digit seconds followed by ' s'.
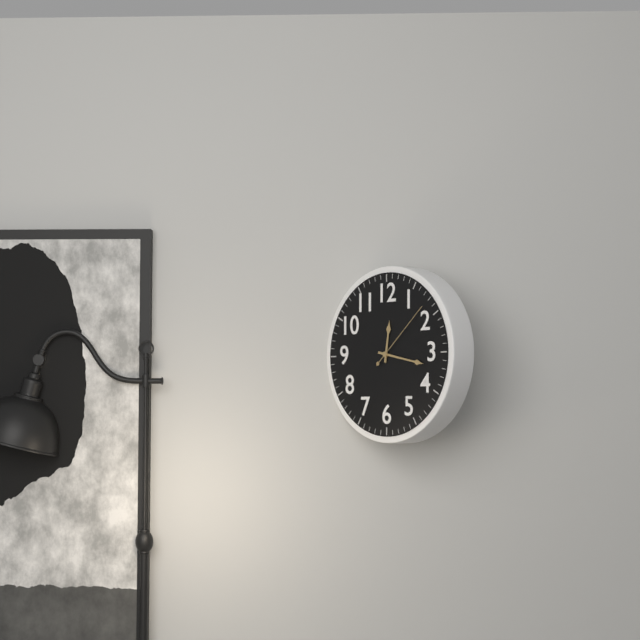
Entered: 12 h 17 min 08 s
